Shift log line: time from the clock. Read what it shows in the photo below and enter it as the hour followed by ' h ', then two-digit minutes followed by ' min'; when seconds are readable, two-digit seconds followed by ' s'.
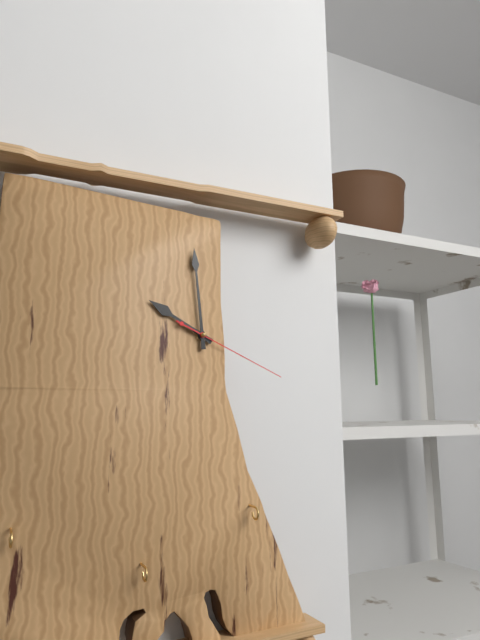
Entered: 9 h 59 min 19 s
